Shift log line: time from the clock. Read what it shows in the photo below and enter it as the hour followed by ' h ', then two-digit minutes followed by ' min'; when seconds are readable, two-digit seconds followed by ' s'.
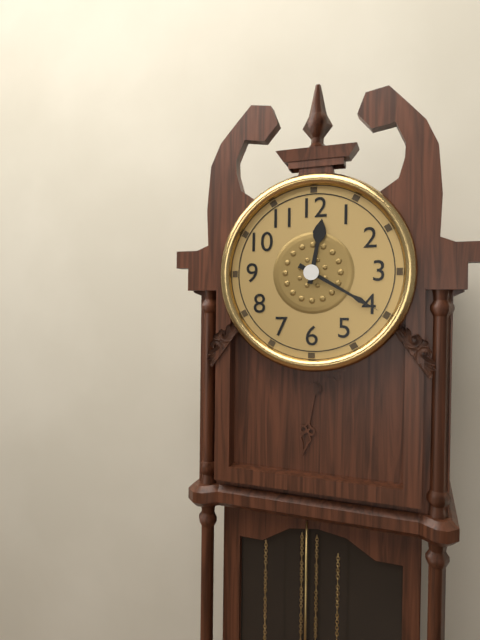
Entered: 12 h 20 min
